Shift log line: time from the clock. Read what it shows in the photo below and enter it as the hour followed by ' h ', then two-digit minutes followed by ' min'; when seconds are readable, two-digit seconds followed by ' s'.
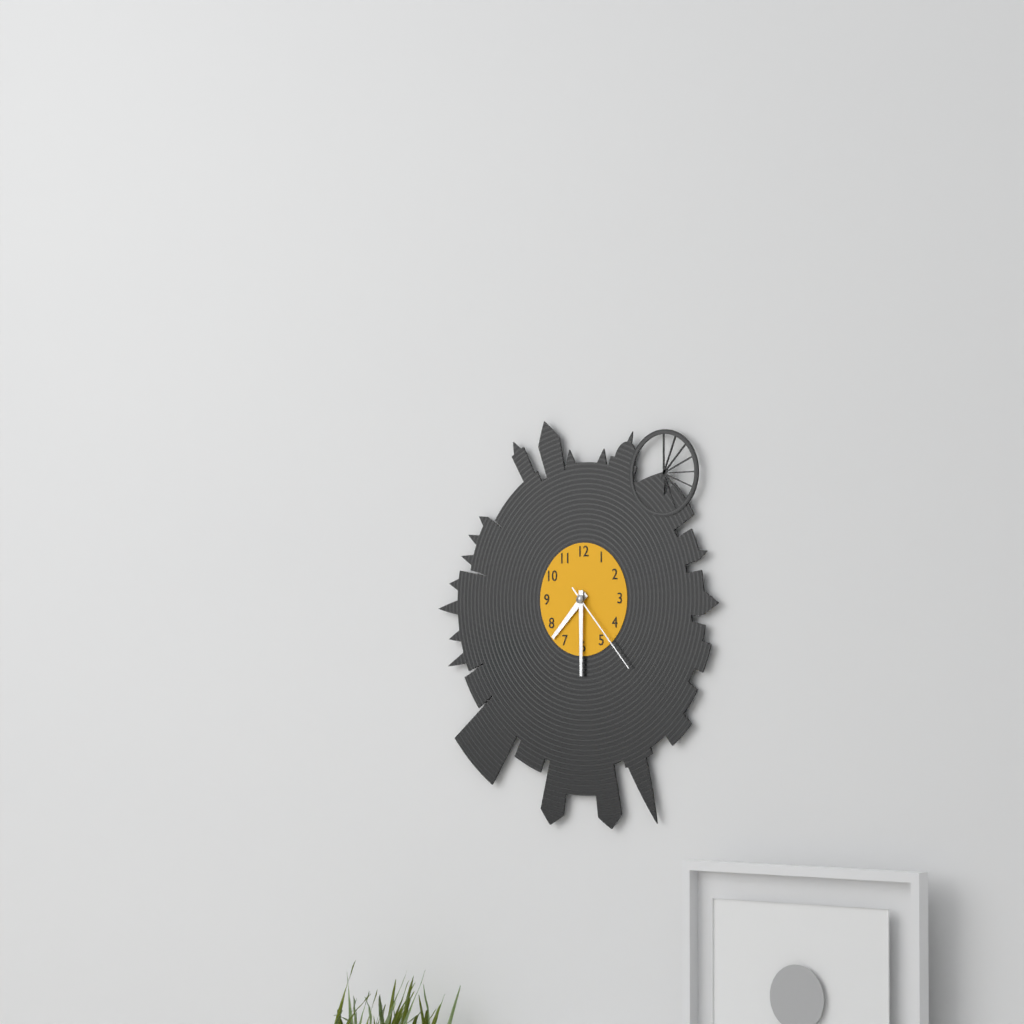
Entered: 7 h 30 min 23 s
